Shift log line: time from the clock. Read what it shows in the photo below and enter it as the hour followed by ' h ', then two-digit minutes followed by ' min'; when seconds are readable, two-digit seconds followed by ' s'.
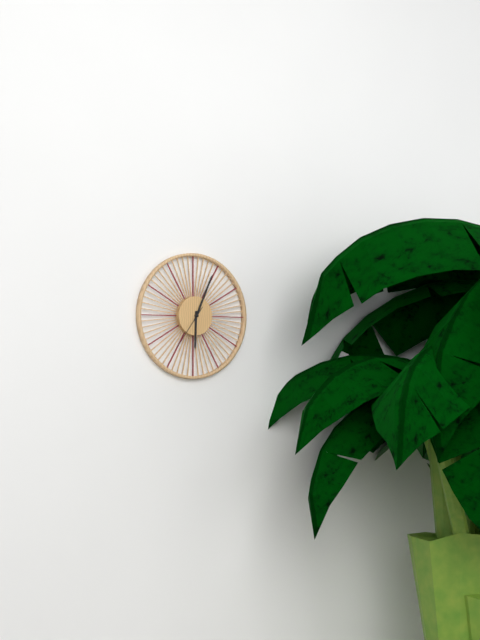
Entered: 6 h 04 min
